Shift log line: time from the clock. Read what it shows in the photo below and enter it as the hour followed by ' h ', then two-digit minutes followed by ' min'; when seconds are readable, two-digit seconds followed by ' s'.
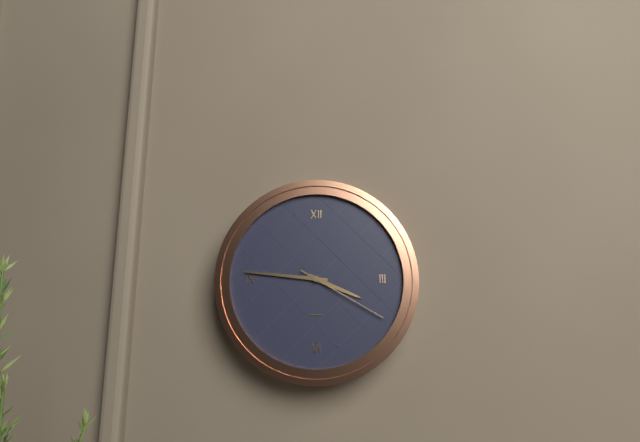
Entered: 3 h 46 min 20 s
